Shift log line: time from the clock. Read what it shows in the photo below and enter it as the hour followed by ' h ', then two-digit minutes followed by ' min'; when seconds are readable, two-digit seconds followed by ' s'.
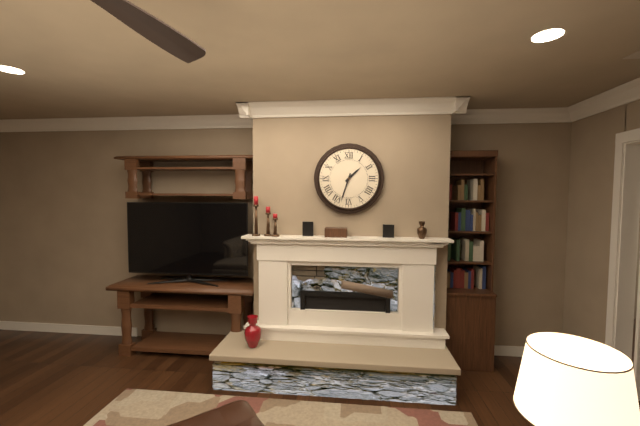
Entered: 1 h 33 min
